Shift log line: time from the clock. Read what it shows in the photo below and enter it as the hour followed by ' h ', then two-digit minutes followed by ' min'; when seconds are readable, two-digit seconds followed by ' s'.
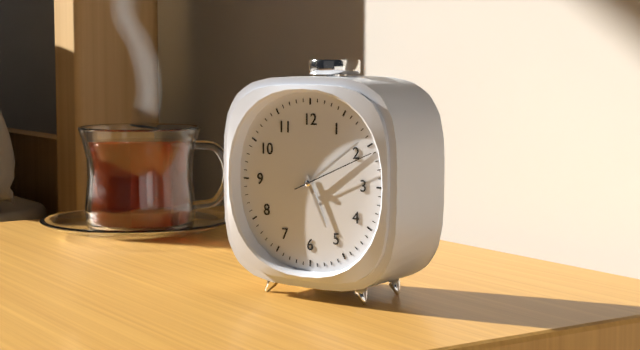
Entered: 5 h 09 min 11 s
